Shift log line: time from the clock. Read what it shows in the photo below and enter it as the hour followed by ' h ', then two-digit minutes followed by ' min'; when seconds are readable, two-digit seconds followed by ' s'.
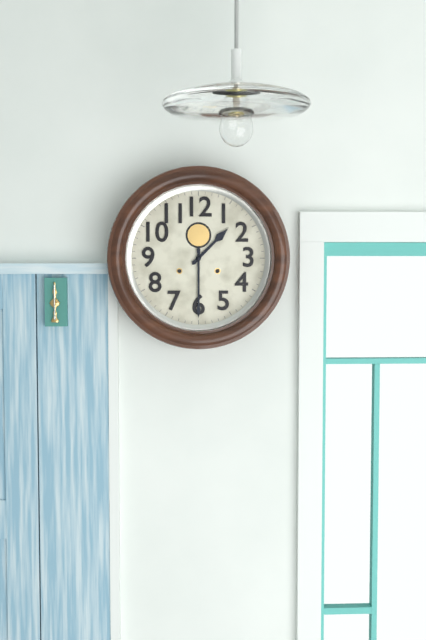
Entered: 1 h 30 min
